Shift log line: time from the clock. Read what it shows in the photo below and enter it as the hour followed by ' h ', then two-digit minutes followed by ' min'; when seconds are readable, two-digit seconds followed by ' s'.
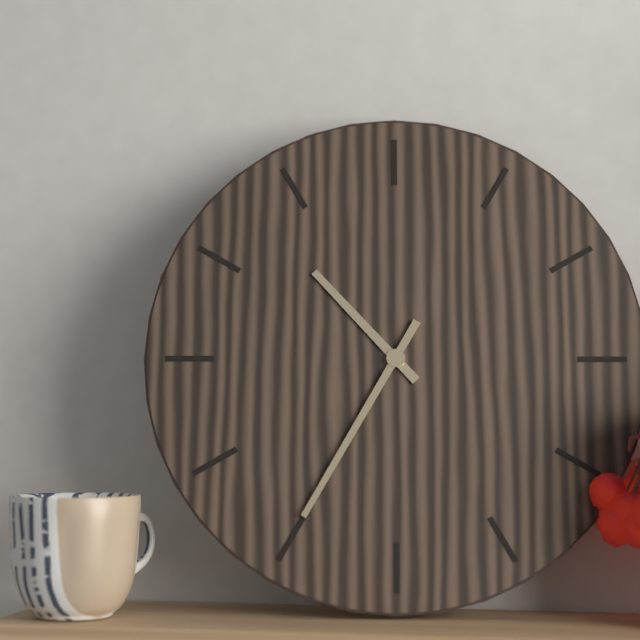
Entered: 10 h 35 min
